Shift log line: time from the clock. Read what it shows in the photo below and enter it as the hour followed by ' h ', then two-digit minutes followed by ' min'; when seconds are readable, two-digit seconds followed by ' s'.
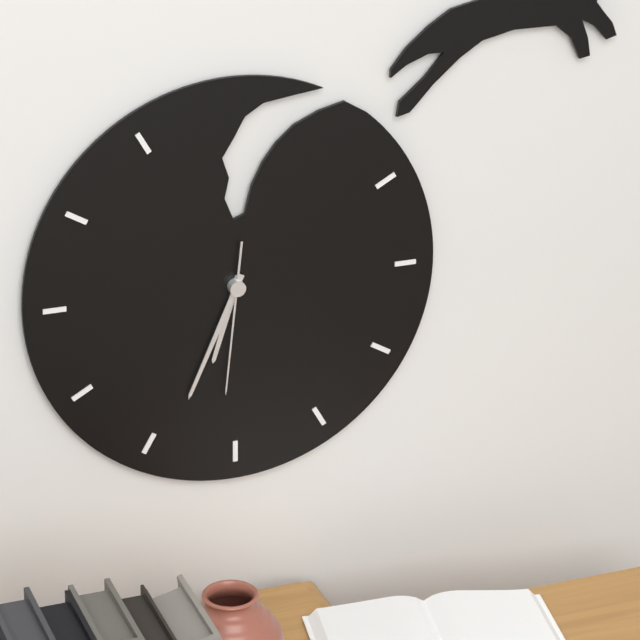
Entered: 6 h 34 min 31 s
